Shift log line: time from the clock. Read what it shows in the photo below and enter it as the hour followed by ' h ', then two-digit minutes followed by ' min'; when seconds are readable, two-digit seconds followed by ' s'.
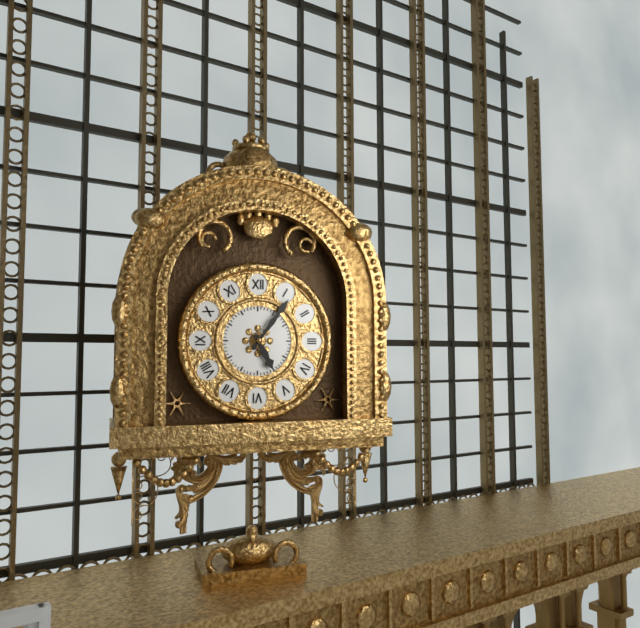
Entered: 5 h 06 min
